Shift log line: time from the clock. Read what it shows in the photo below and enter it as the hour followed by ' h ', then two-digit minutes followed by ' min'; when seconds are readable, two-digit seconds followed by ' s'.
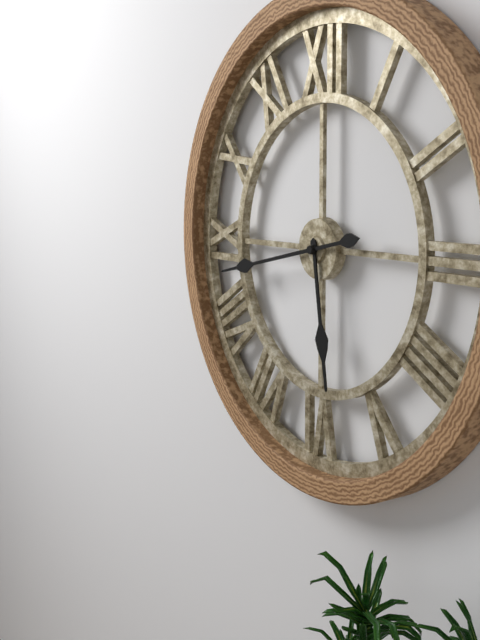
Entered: 5 h 43 min
